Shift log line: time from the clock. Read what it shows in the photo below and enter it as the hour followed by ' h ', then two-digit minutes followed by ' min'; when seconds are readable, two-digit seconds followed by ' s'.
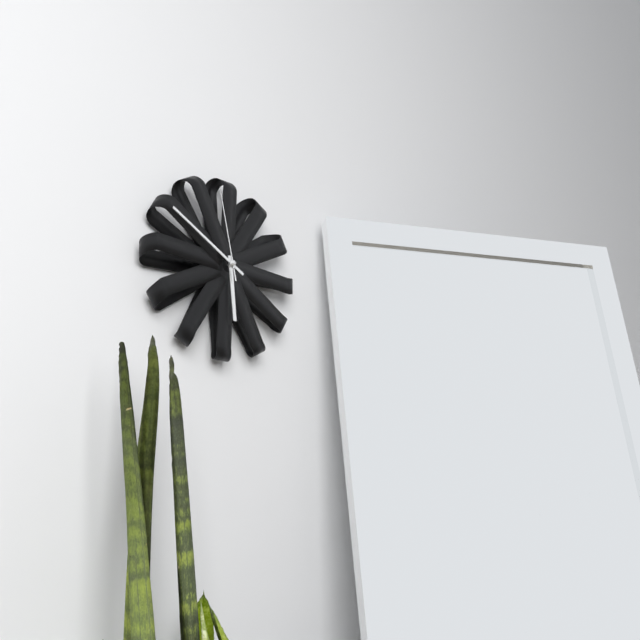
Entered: 5 h 50 min 58 s
